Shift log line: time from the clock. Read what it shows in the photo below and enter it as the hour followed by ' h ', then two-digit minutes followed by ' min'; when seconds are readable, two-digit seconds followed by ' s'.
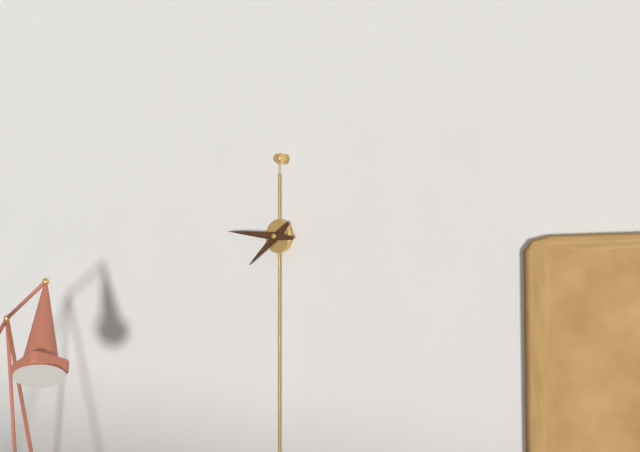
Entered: 7 h 46 min
